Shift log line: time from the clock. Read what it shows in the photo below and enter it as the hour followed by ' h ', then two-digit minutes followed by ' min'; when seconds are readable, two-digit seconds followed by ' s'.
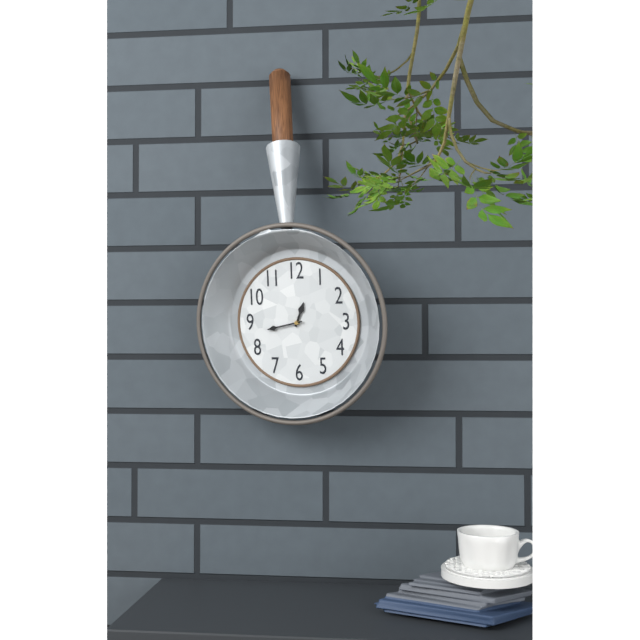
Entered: 12 h 43 min
